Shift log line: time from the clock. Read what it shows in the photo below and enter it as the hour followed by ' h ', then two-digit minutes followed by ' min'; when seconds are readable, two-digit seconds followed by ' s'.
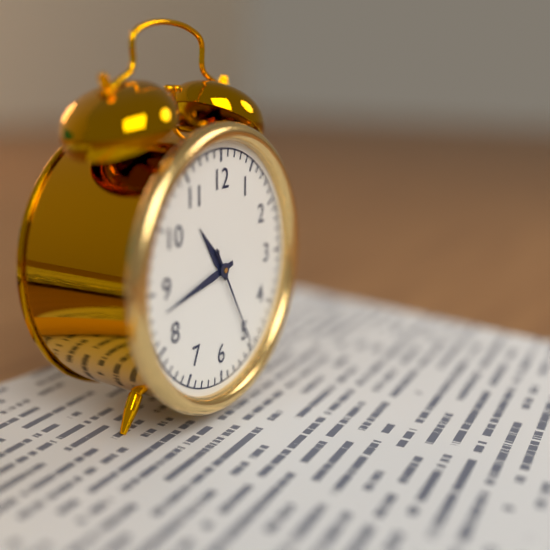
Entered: 10 h 43 min 25 s
